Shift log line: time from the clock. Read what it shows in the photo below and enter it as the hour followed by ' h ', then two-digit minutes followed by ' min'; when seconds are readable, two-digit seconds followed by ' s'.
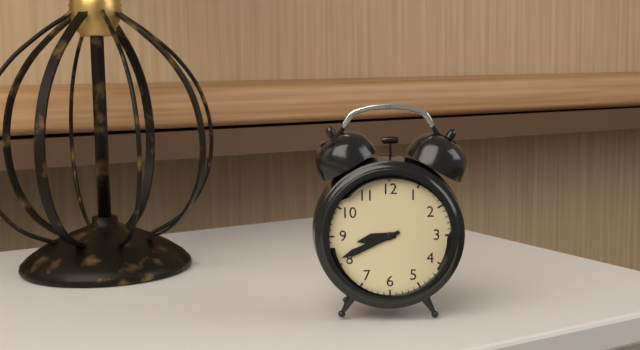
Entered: 8 h 41 min
